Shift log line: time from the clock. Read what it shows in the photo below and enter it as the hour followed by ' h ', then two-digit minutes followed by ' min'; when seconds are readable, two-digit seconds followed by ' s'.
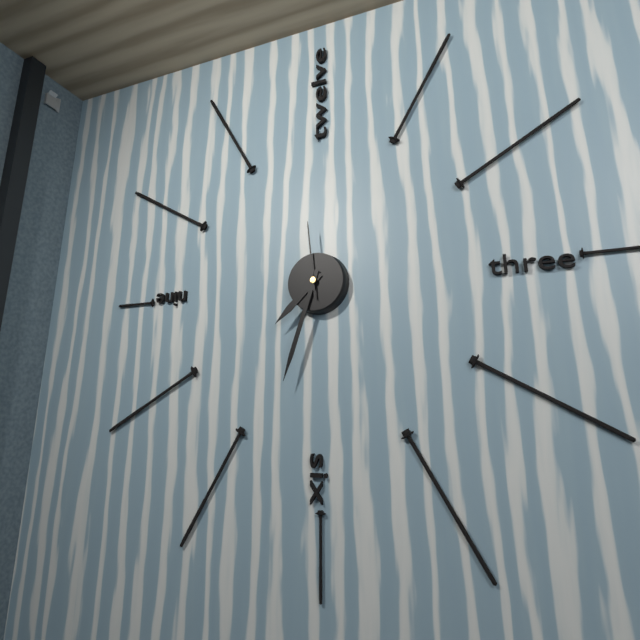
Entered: 7 h 33 min 59 s
